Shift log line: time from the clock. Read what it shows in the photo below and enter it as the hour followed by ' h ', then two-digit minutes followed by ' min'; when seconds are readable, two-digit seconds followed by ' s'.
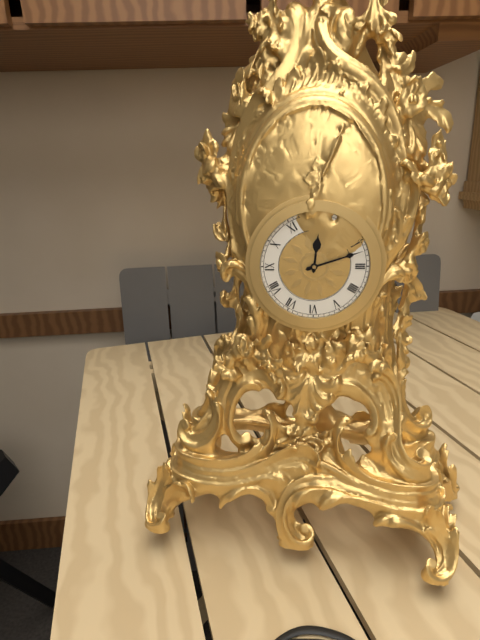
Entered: 12 h 12 min
